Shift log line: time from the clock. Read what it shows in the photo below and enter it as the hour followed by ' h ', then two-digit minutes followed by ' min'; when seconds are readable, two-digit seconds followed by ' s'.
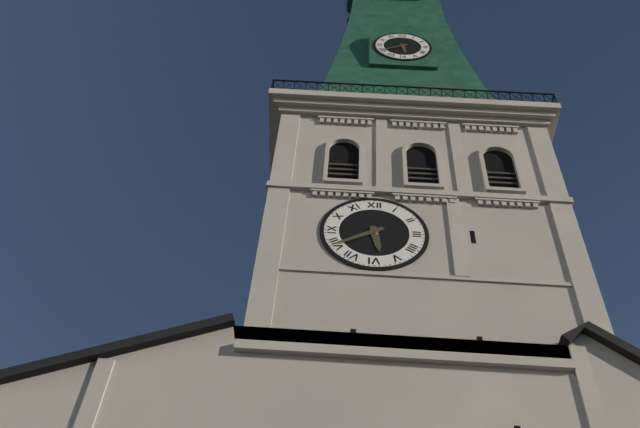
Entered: 5 h 40 min
